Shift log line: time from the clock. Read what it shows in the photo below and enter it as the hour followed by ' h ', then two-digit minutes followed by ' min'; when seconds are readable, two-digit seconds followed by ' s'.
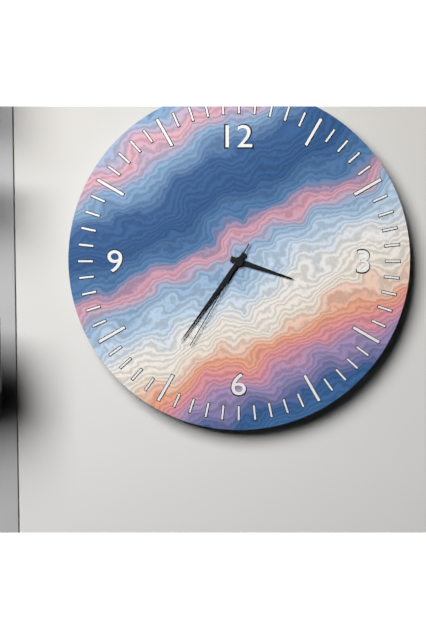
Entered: 3 h 36 min 35 s
